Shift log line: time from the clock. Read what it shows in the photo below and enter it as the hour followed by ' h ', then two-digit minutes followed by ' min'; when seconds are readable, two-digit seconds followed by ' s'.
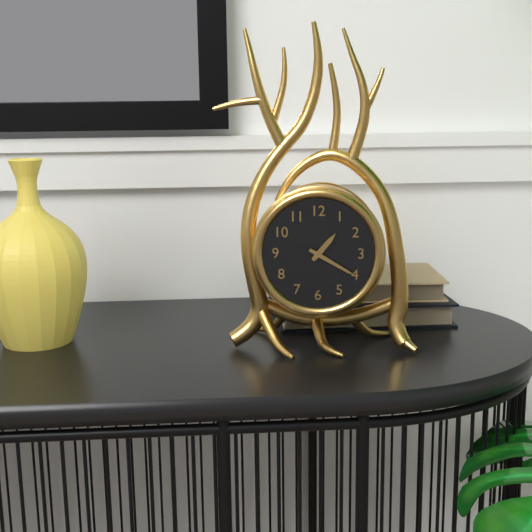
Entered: 1 h 20 min
